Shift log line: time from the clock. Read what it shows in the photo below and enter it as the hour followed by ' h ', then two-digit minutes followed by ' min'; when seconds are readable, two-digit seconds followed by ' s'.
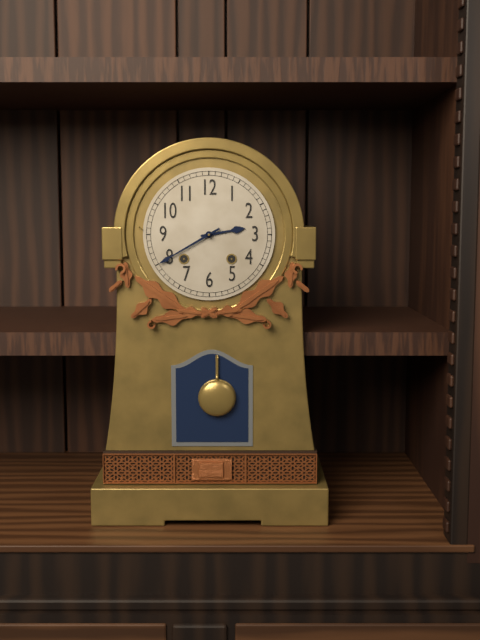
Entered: 2 h 40 min
